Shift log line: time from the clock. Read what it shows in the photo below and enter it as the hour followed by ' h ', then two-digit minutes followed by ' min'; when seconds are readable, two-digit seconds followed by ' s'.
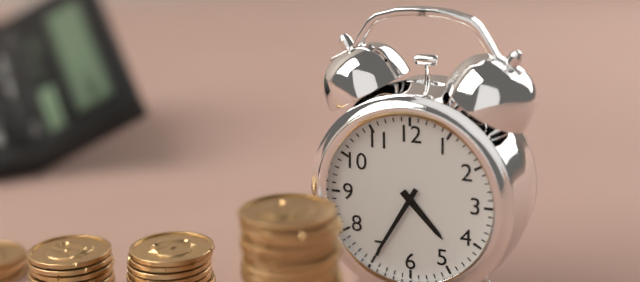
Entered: 4 h 35 min
